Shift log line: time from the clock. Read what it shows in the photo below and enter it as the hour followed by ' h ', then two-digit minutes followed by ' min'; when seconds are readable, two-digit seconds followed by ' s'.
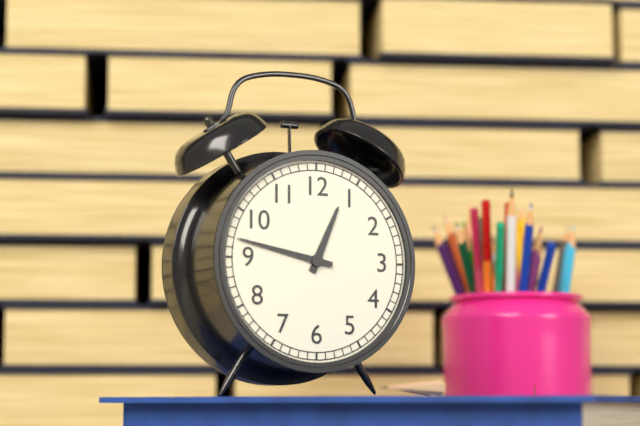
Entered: 12 h 47 min
